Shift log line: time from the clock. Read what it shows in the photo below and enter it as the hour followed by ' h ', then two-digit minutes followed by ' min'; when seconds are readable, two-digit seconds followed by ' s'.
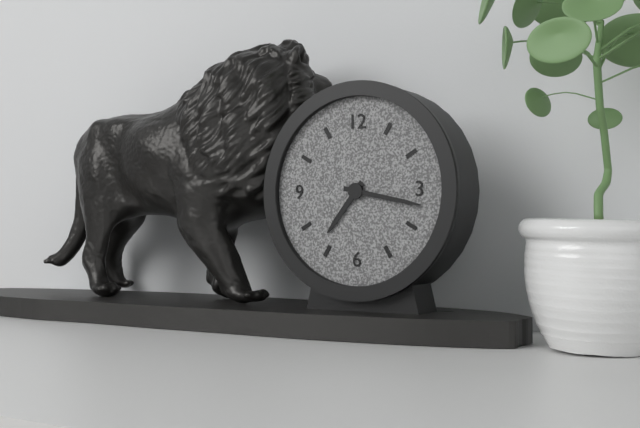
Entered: 7 h 17 min
